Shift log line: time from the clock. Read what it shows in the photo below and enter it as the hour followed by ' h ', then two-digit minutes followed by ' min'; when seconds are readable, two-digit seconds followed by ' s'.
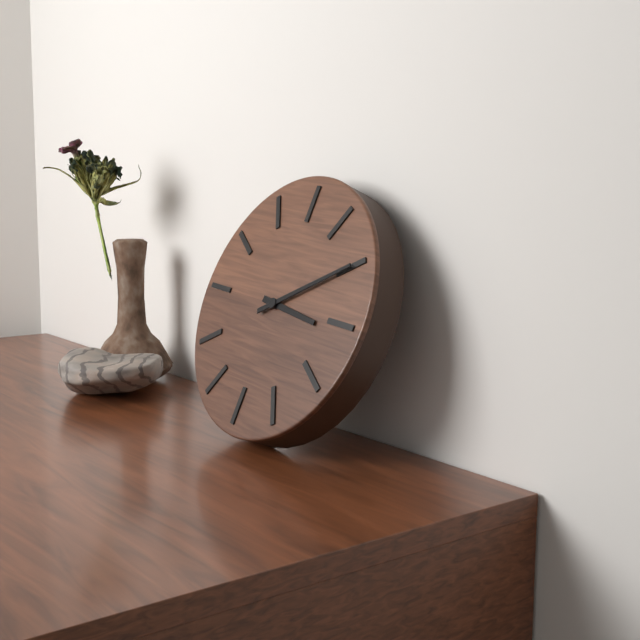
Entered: 3 h 10 min
